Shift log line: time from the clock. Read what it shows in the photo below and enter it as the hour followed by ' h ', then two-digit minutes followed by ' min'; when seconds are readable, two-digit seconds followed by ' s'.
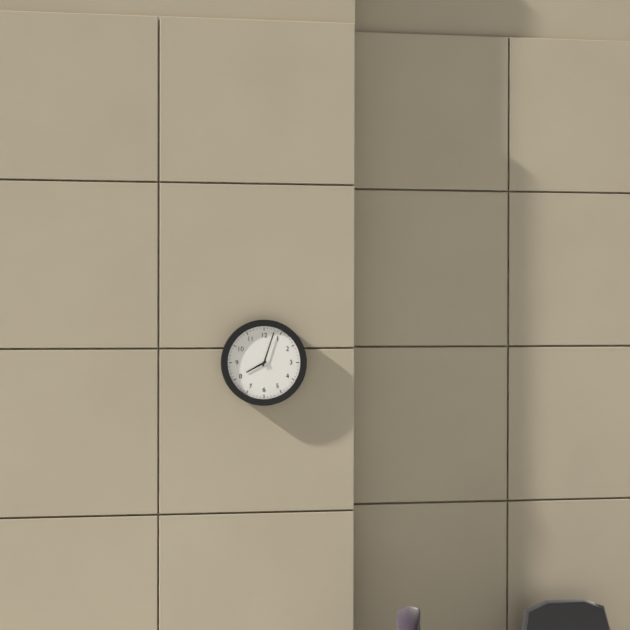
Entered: 8 h 03 min
